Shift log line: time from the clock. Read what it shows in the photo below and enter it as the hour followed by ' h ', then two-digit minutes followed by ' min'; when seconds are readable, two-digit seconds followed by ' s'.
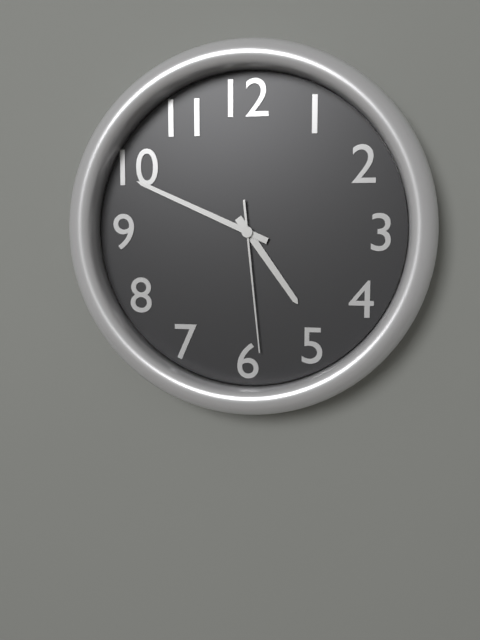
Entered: 4 h 49 min 29 s
